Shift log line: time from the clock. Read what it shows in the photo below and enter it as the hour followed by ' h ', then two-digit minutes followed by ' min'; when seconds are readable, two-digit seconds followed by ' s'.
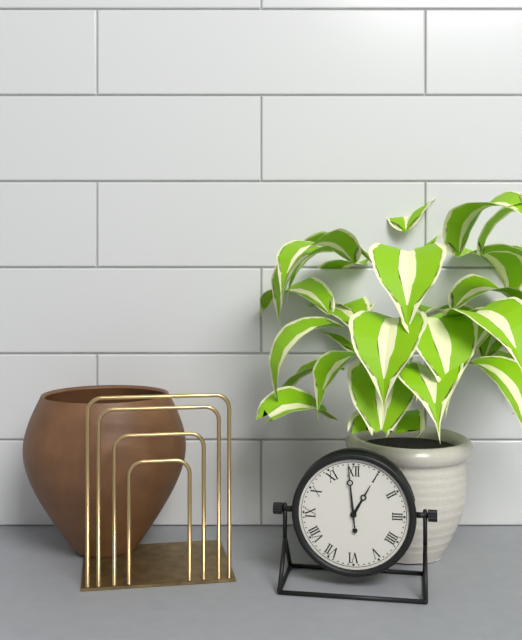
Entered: 12 h 59 min
